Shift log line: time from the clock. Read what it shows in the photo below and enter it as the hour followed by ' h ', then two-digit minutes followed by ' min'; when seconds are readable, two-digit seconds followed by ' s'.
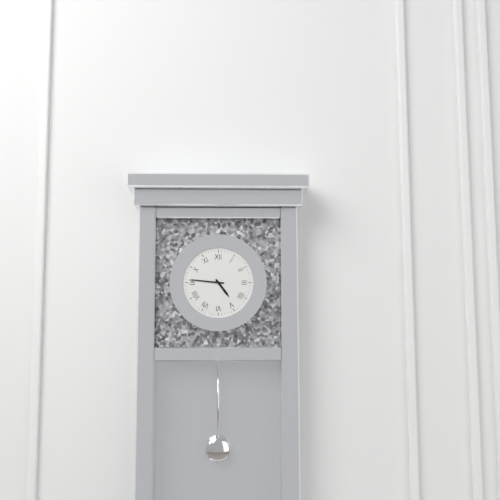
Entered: 4 h 46 min
